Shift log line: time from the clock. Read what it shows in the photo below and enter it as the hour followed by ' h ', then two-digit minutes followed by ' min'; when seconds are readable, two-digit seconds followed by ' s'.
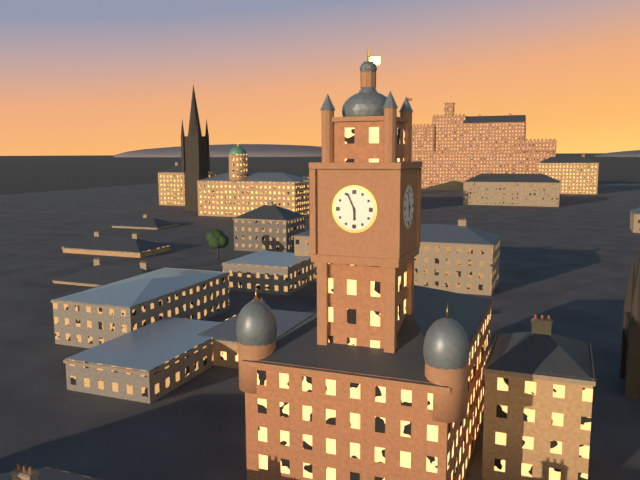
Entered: 5 h 56 min
